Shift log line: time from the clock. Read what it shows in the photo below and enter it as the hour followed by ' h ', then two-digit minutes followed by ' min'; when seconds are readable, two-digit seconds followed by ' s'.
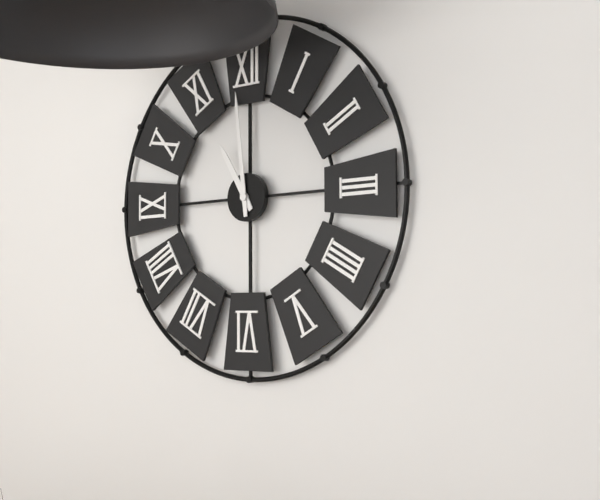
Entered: 10 h 59 min
